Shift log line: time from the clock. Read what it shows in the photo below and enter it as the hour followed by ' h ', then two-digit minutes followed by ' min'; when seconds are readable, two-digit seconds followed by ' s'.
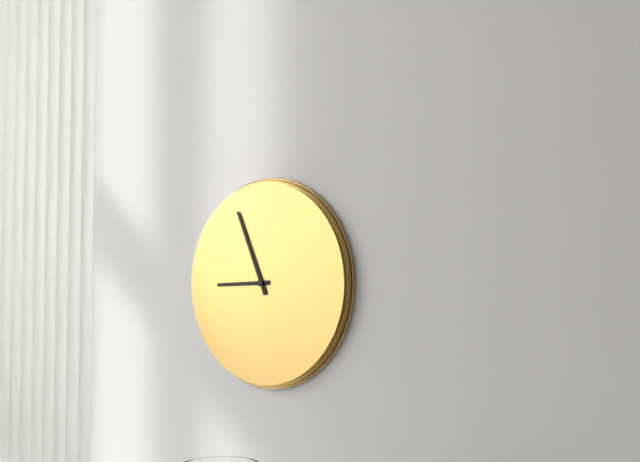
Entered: 8 h 56 min
